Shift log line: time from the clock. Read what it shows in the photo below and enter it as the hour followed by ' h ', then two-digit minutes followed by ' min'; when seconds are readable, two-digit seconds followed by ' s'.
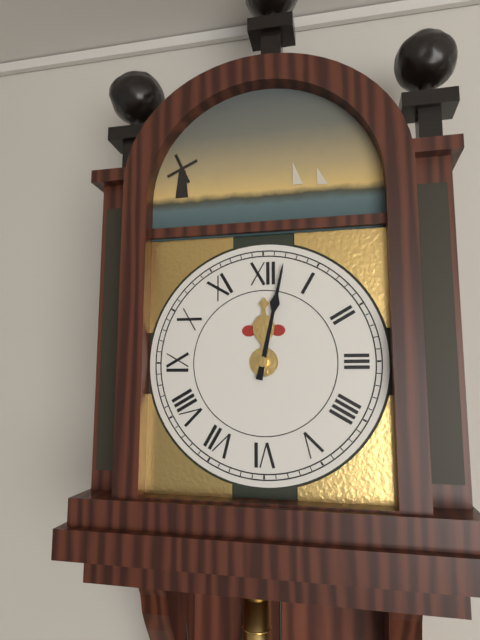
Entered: 12 h 02 min
